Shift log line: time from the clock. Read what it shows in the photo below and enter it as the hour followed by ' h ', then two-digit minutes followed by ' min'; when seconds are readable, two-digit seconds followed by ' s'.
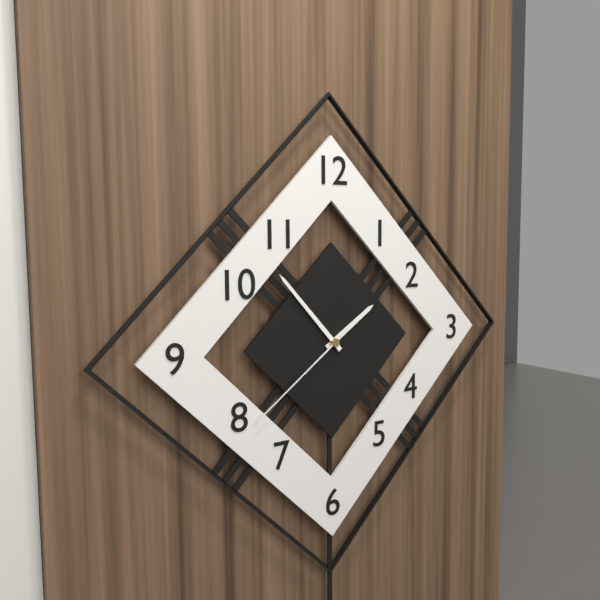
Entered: 1 h 53 min 39 s
